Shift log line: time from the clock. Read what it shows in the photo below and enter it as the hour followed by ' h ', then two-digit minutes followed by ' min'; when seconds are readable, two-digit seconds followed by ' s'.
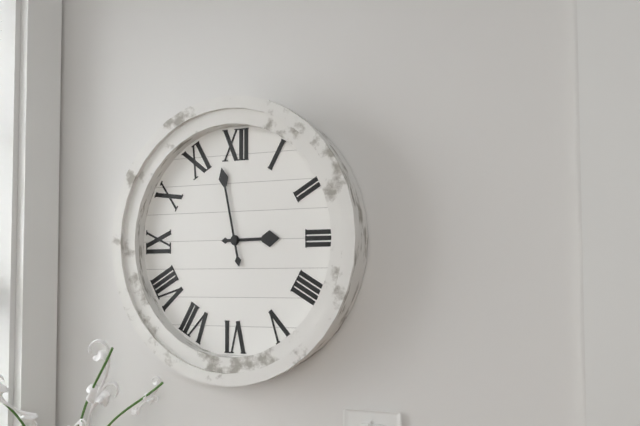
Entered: 2 h 58 min
